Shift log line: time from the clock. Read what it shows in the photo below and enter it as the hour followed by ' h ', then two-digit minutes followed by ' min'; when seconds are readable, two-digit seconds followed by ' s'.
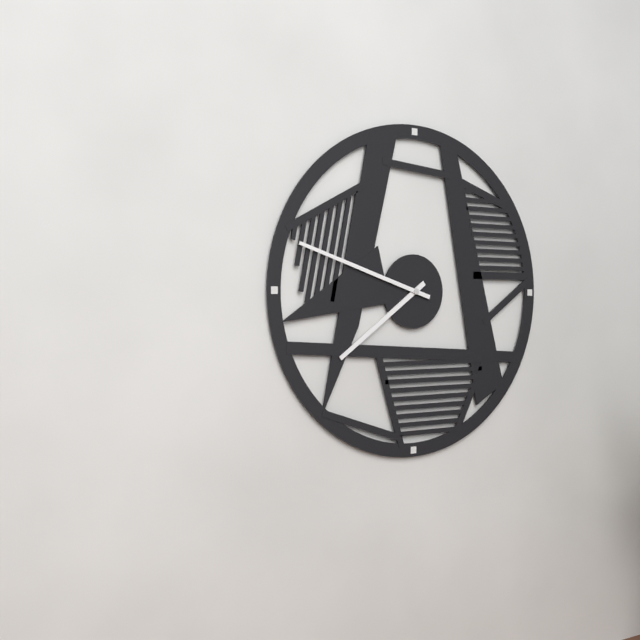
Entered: 7 h 48 min
